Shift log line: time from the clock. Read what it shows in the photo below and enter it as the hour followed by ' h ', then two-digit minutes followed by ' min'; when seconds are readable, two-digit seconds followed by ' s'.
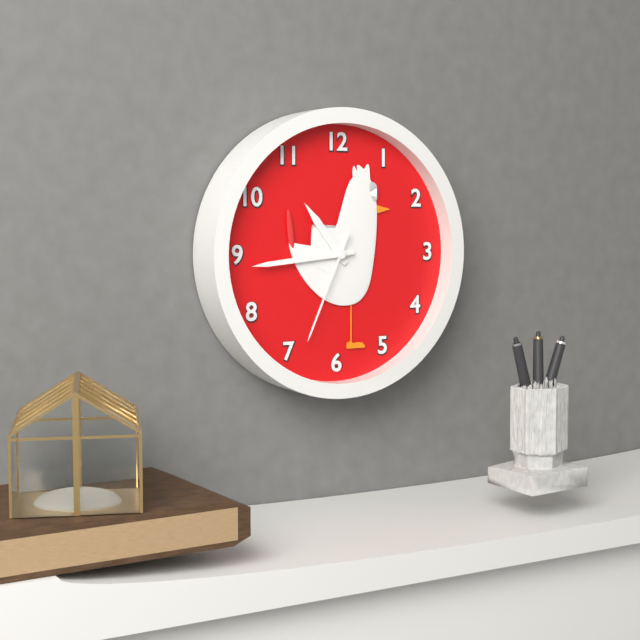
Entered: 10 h 44 min 34 s
